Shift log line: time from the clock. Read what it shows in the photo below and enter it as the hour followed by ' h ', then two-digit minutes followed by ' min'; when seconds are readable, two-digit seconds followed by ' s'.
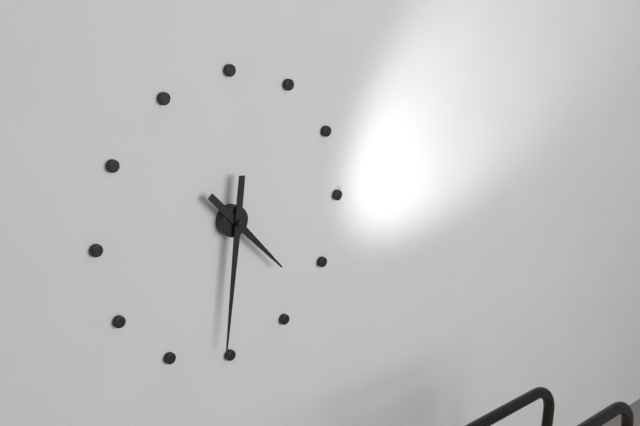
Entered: 4 h 31 min
